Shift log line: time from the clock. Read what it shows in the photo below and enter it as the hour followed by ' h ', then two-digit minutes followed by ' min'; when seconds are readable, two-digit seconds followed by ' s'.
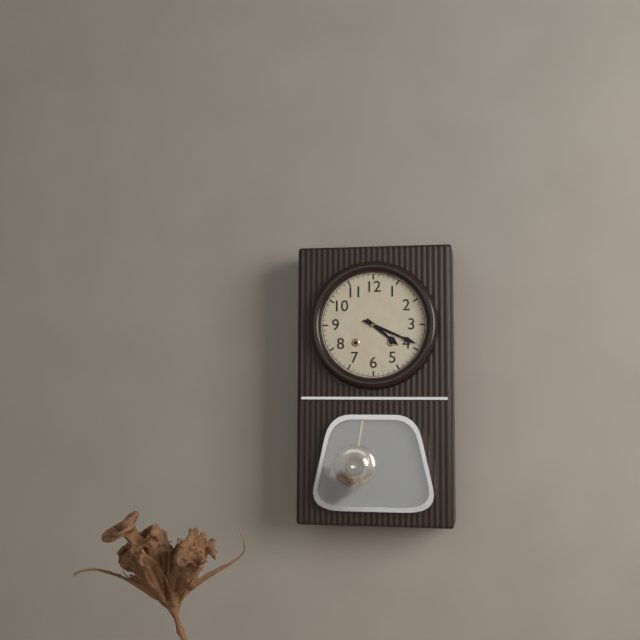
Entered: 4 h 19 min
